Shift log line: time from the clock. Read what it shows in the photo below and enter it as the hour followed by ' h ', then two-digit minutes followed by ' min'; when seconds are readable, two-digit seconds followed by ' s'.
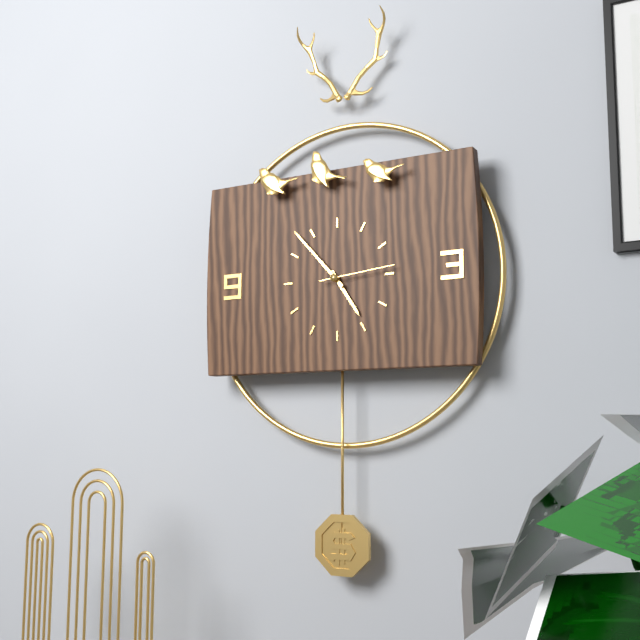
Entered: 4 h 53 min 14 s
